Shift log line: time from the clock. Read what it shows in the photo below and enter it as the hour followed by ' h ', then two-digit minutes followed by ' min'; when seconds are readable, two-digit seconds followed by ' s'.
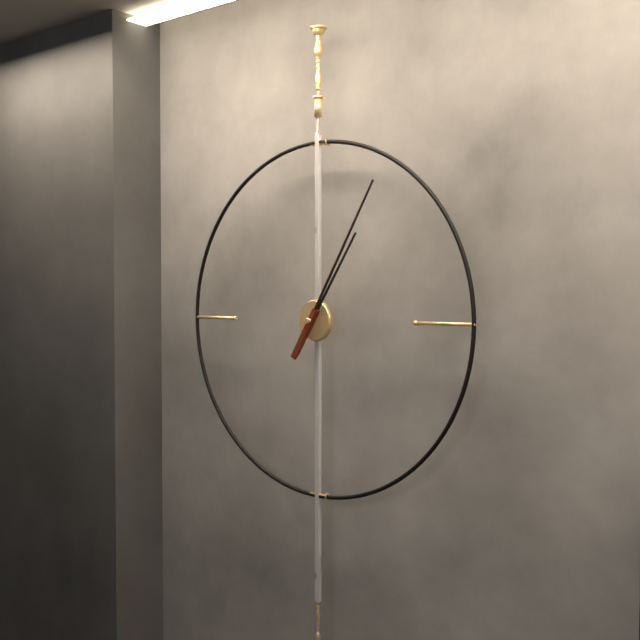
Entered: 1 h 05 min
